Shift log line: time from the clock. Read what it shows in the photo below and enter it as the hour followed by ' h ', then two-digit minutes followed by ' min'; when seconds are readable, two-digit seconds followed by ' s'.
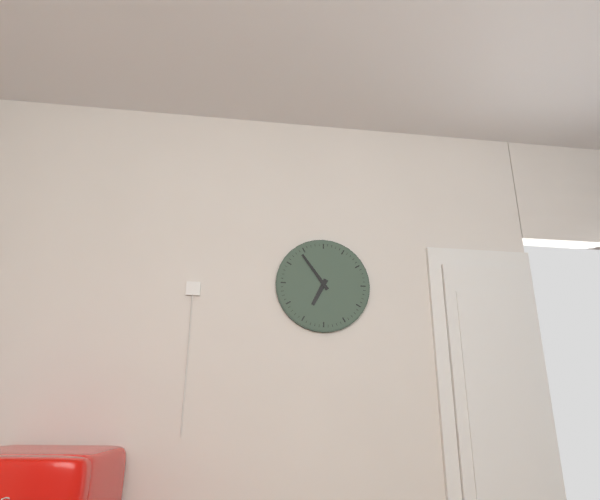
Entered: 6 h 54 min
